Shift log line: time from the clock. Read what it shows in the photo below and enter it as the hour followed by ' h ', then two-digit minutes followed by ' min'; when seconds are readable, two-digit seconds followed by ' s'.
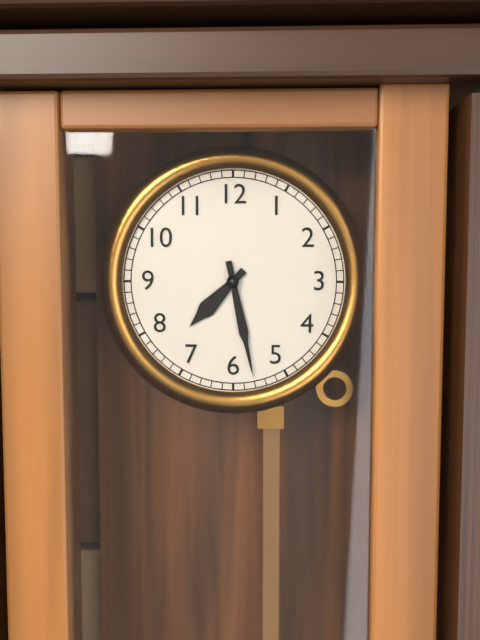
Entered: 7 h 28 min
